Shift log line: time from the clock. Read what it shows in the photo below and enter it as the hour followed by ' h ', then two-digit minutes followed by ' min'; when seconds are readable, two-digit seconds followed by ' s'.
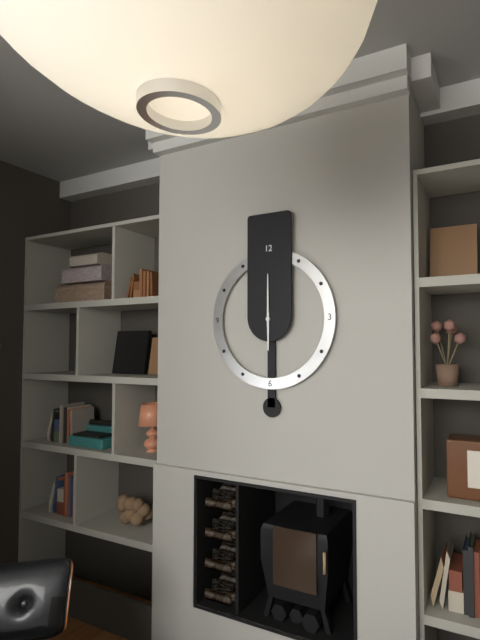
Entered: 6 h 00 min
